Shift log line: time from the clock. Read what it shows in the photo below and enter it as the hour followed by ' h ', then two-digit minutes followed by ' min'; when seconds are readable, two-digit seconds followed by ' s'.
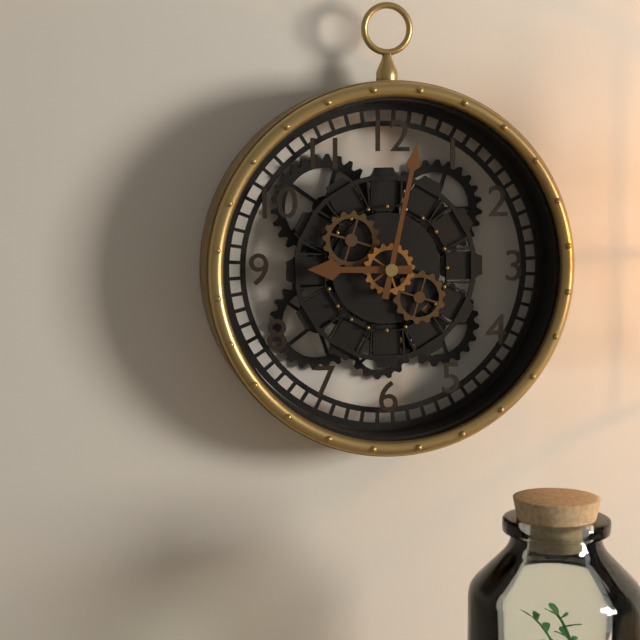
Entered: 9 h 02 min
